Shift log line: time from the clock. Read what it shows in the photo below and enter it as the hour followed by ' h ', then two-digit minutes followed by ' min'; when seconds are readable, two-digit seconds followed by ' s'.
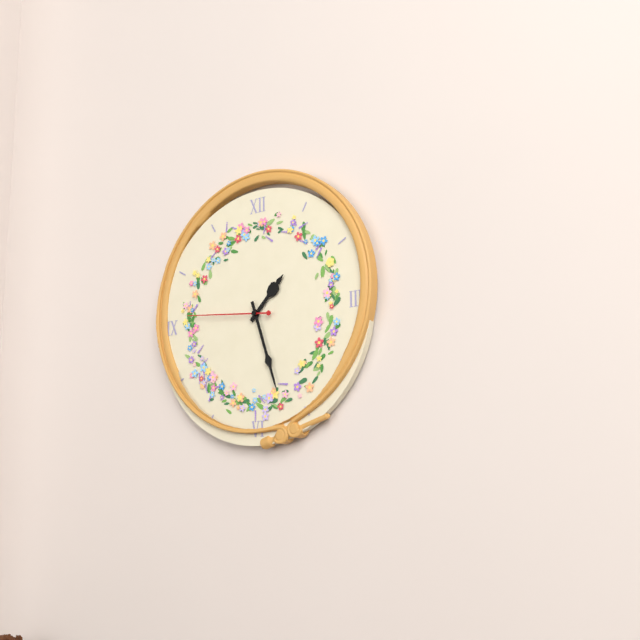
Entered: 1 h 27 min 46 s
